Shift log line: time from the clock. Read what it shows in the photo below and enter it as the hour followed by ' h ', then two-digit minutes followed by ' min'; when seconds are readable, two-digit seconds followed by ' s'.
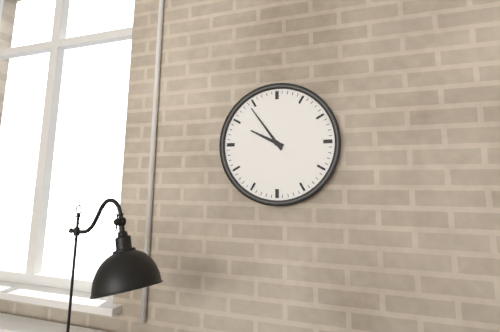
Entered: 9 h 54 min
